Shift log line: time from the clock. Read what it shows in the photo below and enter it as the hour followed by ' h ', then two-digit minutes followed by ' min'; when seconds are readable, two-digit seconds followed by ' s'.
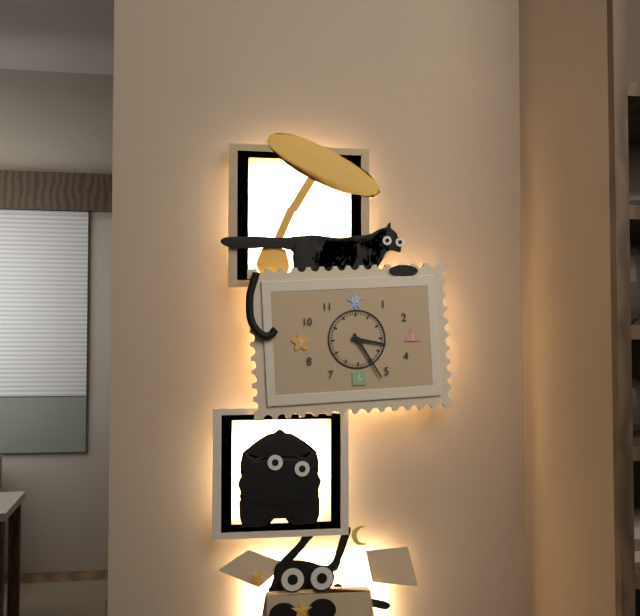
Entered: 3 h 25 min
